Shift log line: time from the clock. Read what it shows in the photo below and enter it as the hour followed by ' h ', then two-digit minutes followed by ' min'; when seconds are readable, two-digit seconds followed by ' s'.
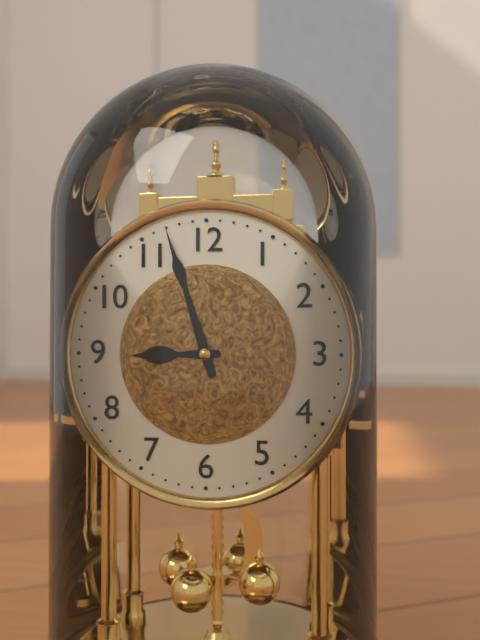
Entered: 8 h 57 min
